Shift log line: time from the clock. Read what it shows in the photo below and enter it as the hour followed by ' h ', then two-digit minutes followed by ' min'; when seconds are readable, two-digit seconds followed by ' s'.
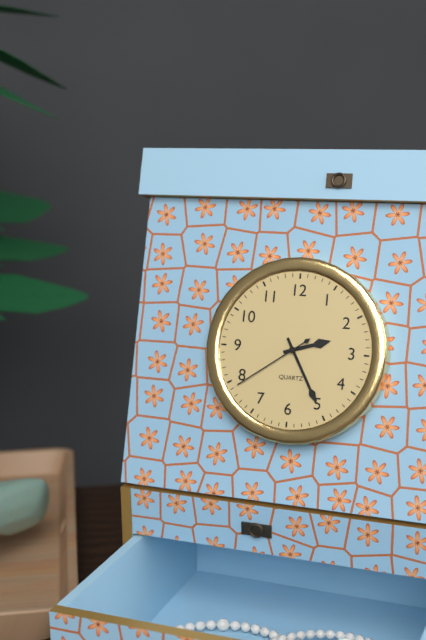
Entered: 2 h 25 min 39 s
